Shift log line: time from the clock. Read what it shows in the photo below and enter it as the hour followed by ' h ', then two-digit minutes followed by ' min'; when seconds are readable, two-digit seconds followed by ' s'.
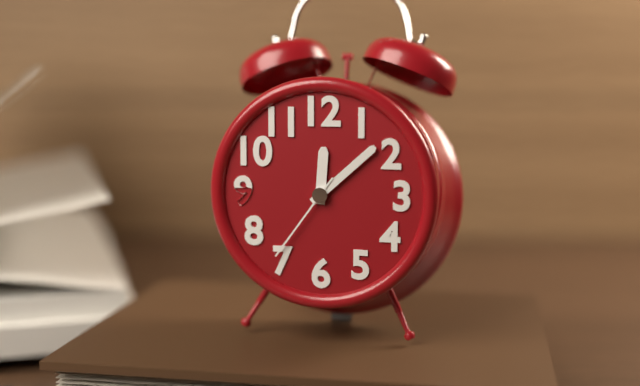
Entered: 12 h 08 min 36 s
